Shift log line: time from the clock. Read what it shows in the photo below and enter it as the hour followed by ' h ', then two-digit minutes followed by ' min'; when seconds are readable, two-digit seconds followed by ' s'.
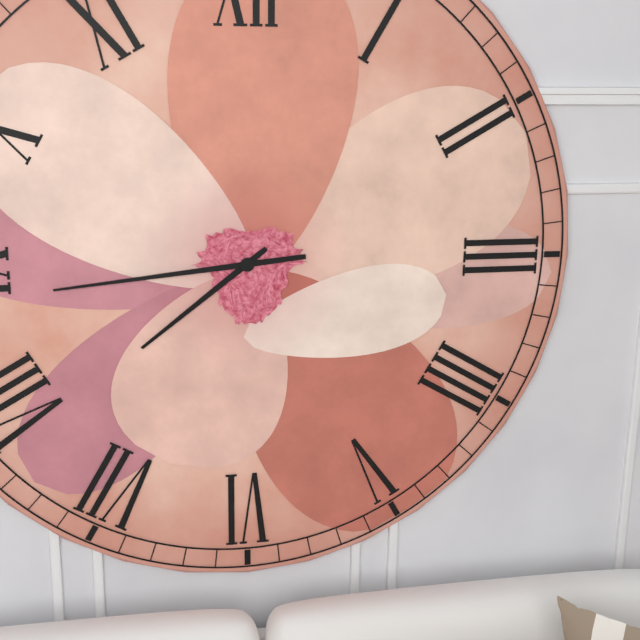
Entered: 7 h 44 min
